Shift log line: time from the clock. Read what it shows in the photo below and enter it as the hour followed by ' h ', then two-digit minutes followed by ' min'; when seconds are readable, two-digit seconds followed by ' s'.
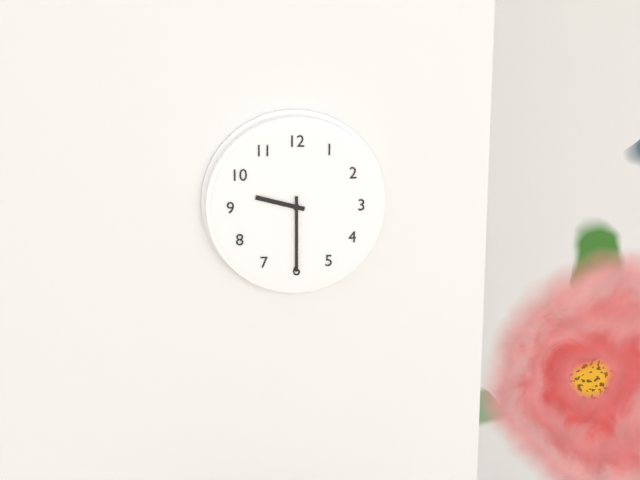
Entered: 9 h 30 min
